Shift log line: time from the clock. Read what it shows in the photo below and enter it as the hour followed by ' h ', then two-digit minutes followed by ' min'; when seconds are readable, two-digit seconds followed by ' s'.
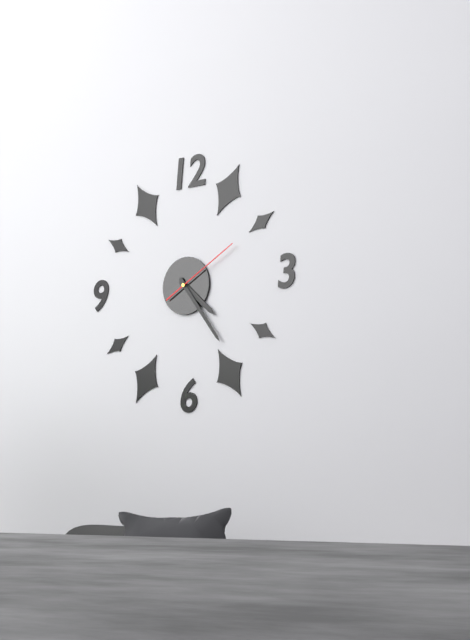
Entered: 4 h 24 min 10 s
